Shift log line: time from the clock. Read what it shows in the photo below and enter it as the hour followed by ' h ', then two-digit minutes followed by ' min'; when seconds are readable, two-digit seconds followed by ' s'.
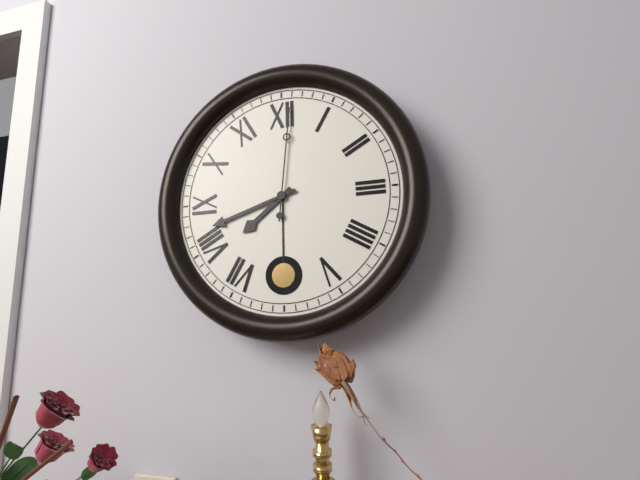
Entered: 7 h 42 min 01 s
